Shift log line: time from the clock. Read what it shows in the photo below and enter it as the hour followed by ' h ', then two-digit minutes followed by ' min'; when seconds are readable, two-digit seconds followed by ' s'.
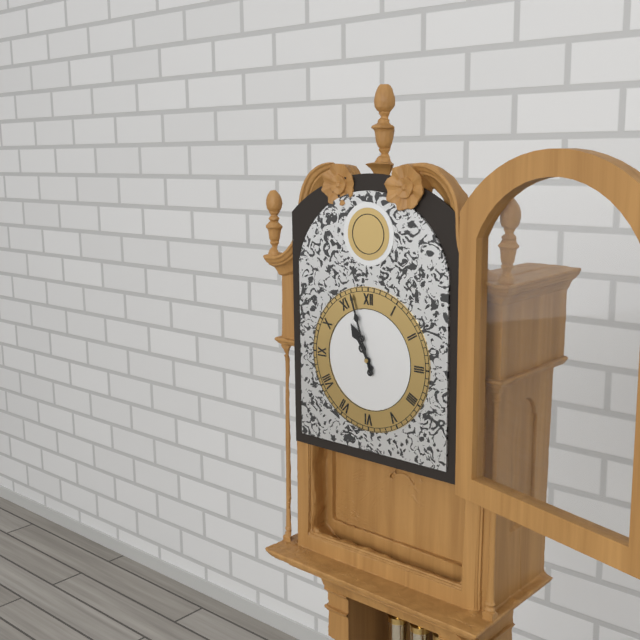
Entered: 10 h 57 min
